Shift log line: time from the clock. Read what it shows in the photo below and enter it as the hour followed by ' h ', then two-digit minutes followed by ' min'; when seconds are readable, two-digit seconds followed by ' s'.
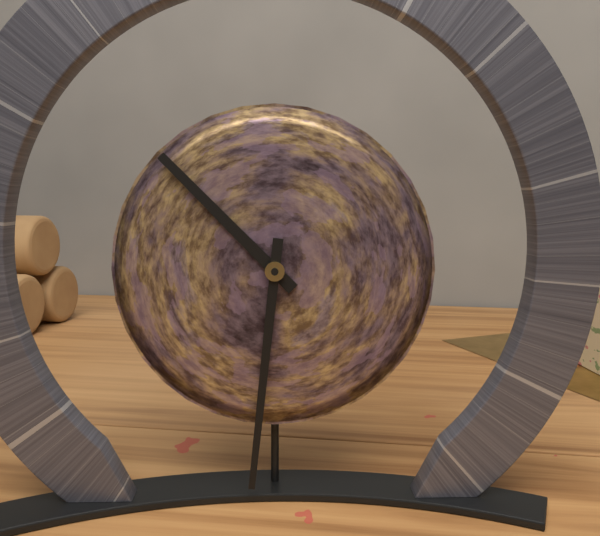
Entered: 10 h 31 min
